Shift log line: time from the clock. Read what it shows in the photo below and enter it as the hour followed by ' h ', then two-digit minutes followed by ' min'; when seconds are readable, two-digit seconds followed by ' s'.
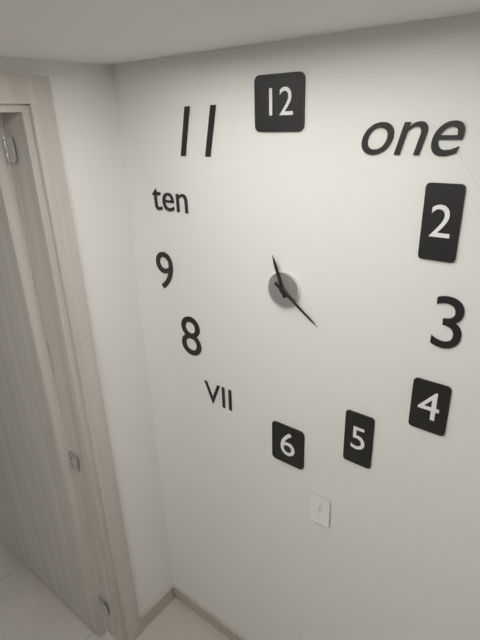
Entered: 11 h 21 min
